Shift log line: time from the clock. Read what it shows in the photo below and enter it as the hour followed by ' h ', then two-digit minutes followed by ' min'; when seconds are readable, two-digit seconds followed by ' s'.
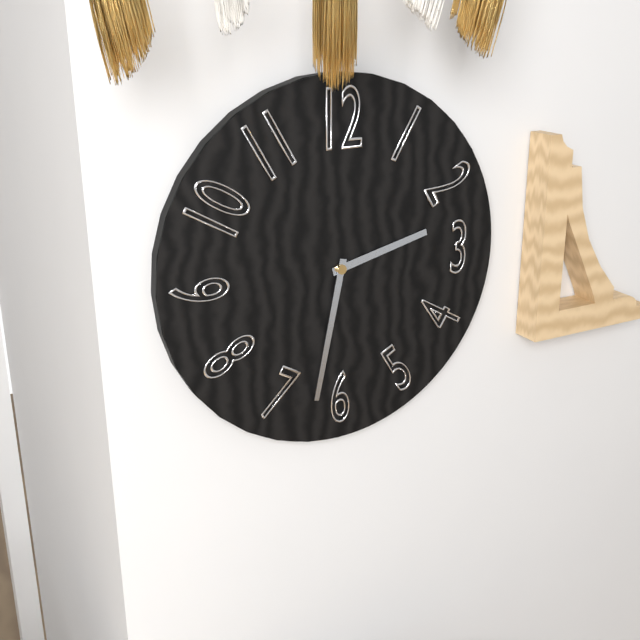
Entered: 2 h 32 min
